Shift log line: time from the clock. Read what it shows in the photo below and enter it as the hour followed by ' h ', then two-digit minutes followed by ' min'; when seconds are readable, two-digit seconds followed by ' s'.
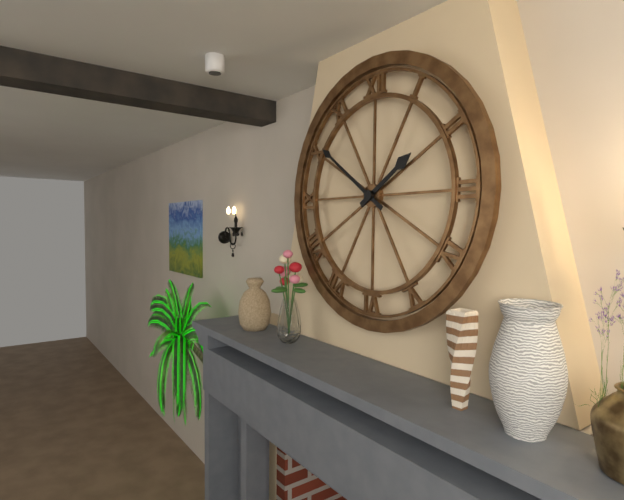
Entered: 1 h 51 min
